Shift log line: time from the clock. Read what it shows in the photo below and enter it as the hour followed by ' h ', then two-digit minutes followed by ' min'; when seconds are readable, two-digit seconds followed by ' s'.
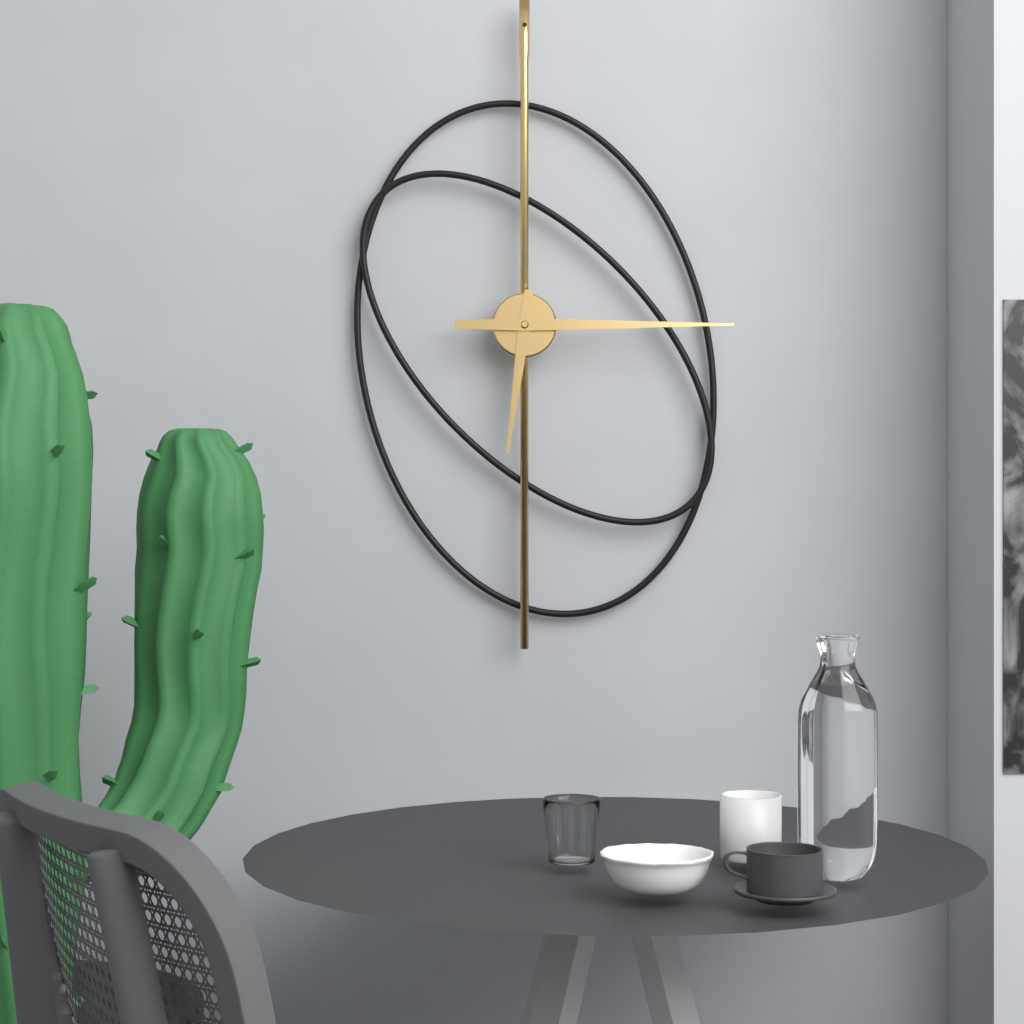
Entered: 6 h 15 min
